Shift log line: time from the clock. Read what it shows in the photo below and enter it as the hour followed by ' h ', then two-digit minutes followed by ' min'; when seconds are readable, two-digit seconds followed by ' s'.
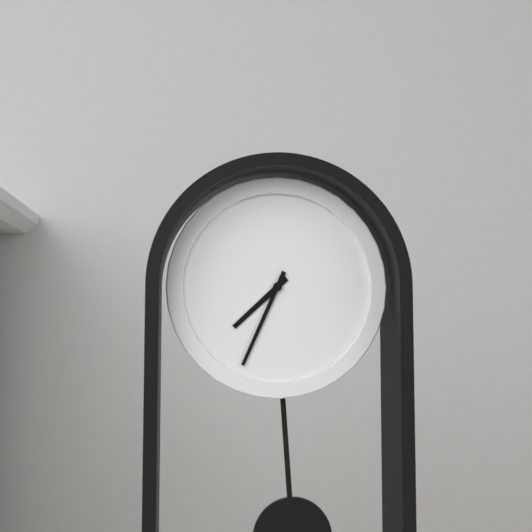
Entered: 7 h 34 min
